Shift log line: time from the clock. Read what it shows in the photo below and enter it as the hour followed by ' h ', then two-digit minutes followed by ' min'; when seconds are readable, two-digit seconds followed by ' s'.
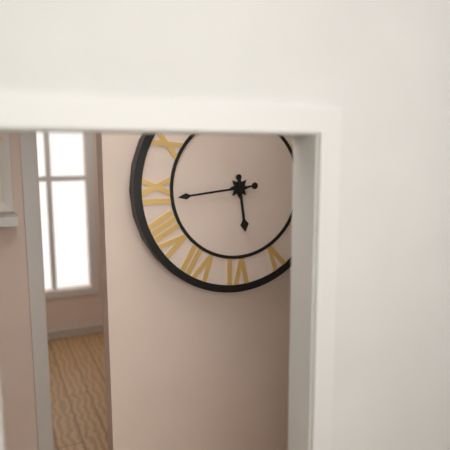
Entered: 5 h 44 min
